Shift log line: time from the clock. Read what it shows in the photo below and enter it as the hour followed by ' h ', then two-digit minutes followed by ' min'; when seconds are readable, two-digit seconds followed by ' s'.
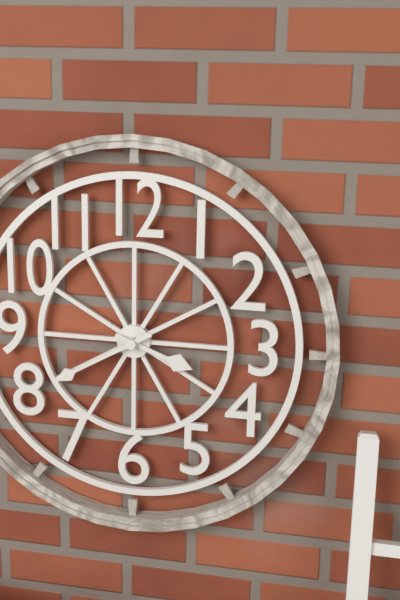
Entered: 3 h 40 min
